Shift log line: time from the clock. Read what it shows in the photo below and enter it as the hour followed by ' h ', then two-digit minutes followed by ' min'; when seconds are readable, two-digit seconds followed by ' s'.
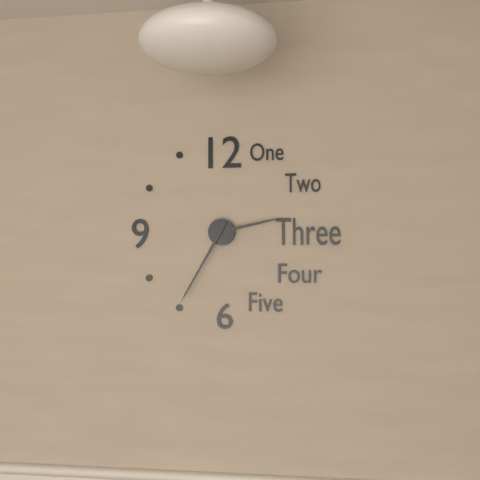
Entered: 2 h 35 min
